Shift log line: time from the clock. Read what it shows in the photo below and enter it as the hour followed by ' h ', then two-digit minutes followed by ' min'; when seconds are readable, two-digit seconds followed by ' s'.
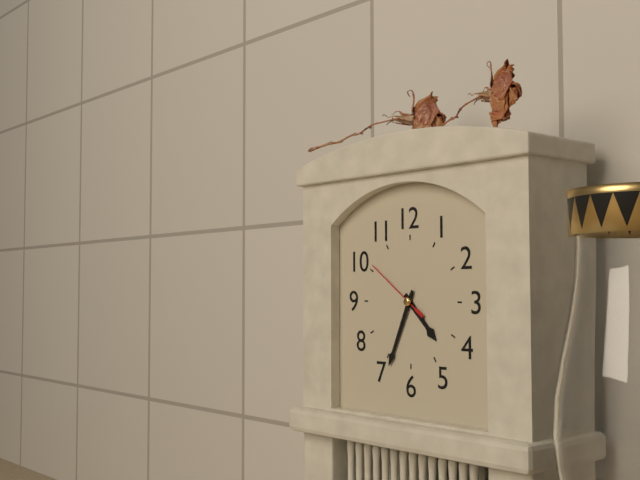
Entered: 4 h 34 min 51 s
